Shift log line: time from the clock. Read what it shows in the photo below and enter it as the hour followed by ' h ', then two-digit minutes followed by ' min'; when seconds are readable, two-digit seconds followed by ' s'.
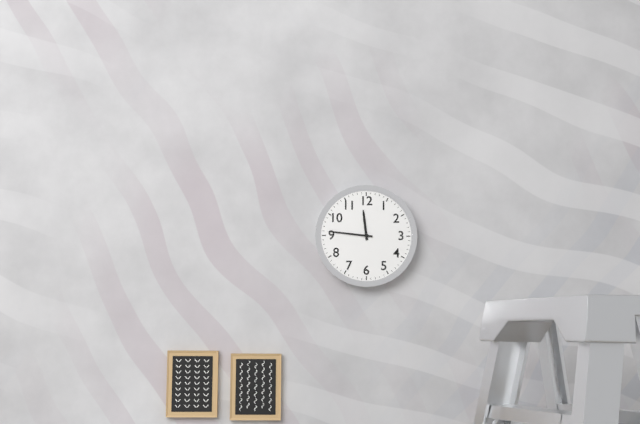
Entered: 11 h 46 min
